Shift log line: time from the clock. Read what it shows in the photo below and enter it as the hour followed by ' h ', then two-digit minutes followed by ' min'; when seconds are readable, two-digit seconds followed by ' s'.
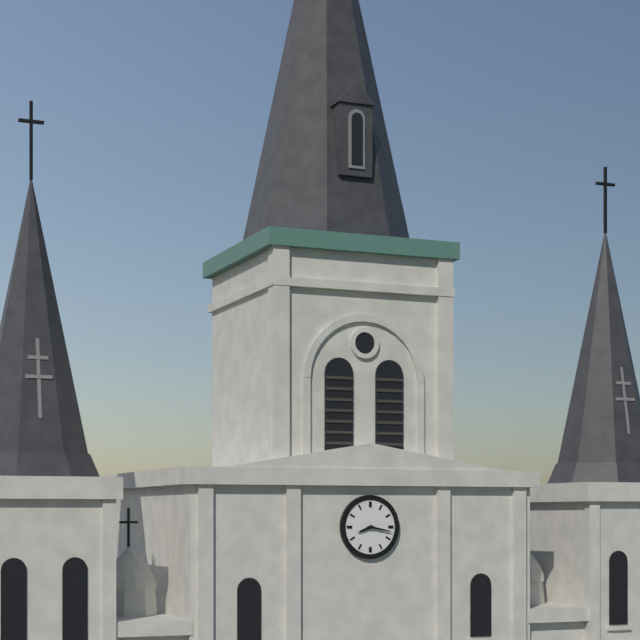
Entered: 8 h 17 min
